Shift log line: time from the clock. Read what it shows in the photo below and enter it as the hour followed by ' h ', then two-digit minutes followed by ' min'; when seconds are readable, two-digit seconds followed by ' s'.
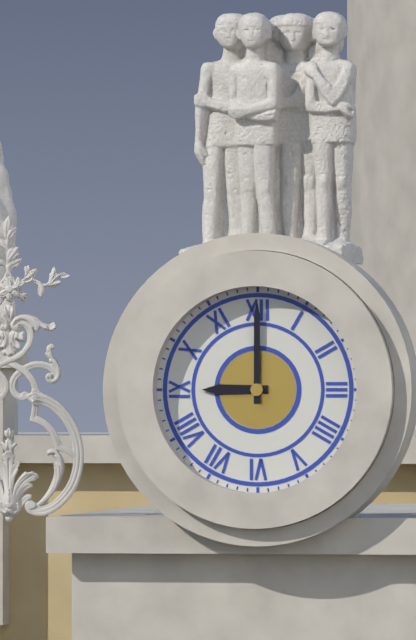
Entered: 9 h 00 min
